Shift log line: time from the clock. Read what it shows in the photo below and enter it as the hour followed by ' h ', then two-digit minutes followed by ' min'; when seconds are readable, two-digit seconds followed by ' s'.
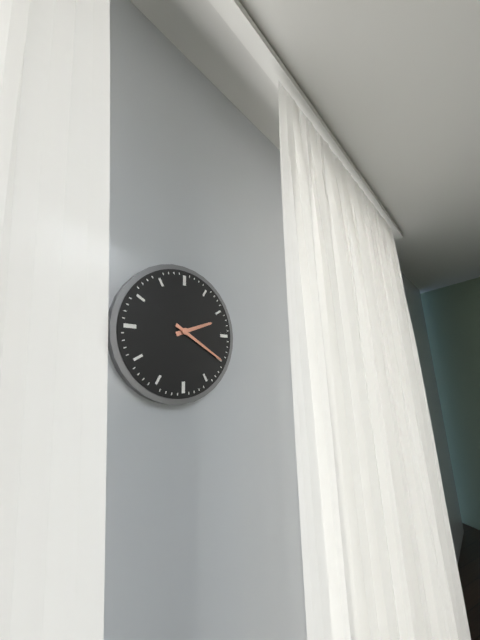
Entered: 2 h 20 min
